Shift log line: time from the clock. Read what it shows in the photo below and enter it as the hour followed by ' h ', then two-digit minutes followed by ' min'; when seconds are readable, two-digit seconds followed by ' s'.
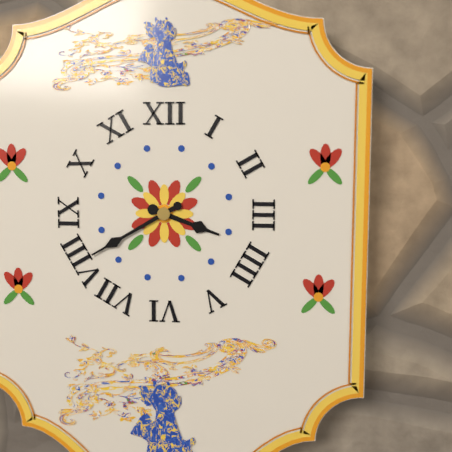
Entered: 3 h 40 min
